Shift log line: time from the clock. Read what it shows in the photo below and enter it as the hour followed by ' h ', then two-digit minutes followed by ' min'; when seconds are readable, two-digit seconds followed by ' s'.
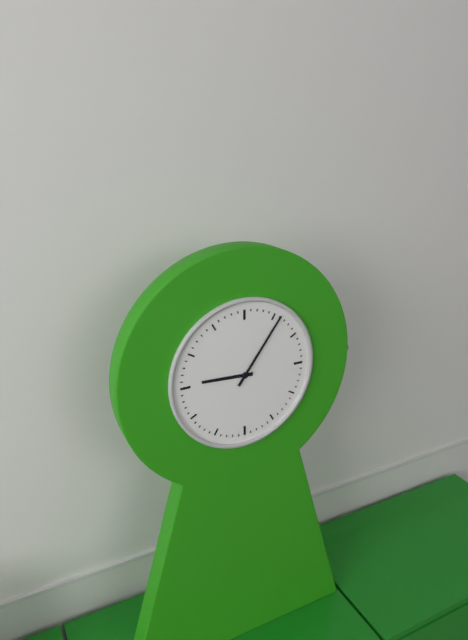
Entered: 9 h 06 min
